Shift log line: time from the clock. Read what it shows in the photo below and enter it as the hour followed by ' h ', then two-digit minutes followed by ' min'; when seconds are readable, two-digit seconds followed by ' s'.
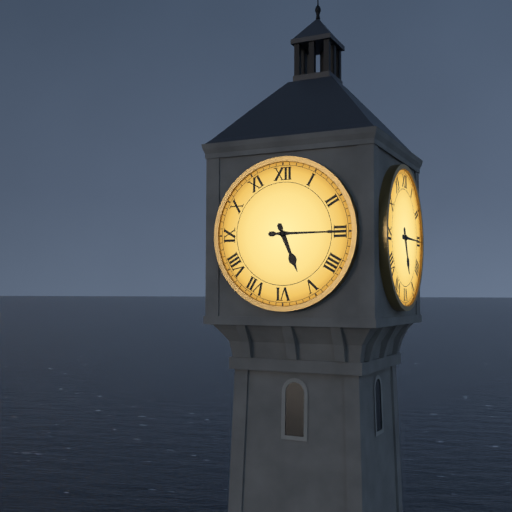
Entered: 5 h 15 min
